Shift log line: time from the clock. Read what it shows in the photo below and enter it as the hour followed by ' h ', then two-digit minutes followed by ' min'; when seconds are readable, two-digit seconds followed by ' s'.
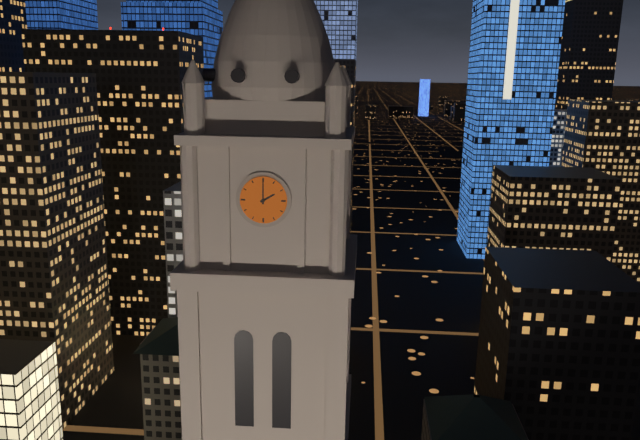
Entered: 2 h 00 min
